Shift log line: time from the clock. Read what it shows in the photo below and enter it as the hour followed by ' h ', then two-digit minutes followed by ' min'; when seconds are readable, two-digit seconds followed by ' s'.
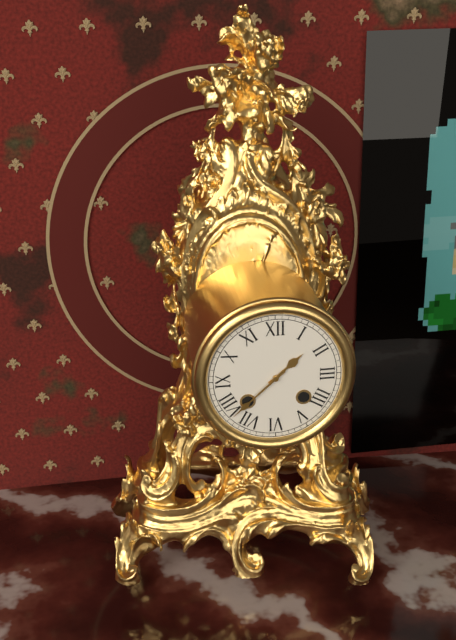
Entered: 1 h 38 min
